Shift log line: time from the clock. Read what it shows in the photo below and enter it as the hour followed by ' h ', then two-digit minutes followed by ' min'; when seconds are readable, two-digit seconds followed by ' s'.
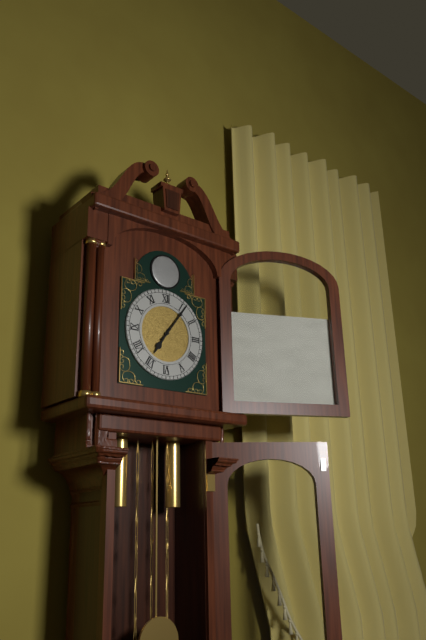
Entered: 7 h 06 min
